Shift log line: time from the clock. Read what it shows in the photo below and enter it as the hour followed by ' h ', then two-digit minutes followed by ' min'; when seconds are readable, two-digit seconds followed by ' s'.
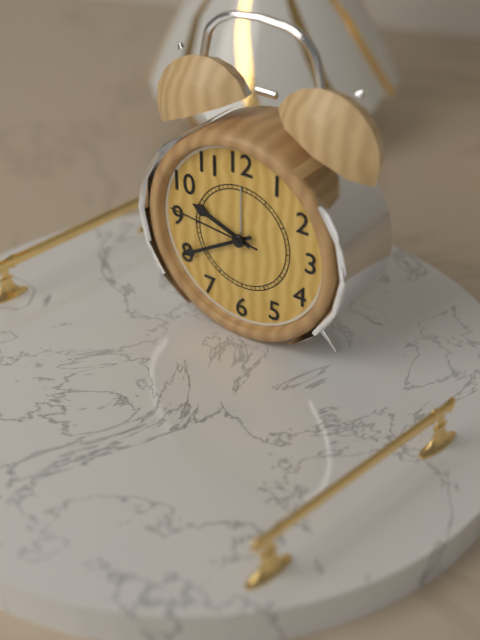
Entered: 9 h 40 min 46 s
